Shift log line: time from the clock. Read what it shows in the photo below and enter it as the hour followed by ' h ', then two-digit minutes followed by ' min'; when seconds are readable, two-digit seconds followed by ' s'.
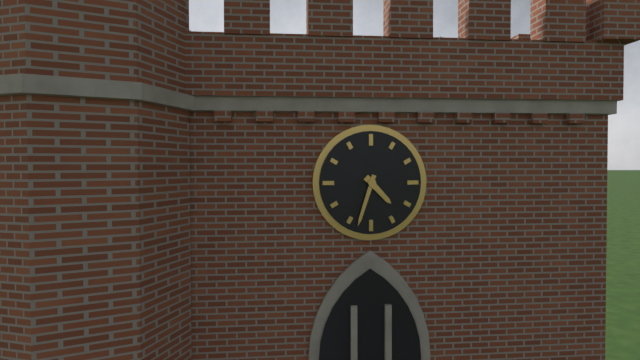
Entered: 4 h 33 min
